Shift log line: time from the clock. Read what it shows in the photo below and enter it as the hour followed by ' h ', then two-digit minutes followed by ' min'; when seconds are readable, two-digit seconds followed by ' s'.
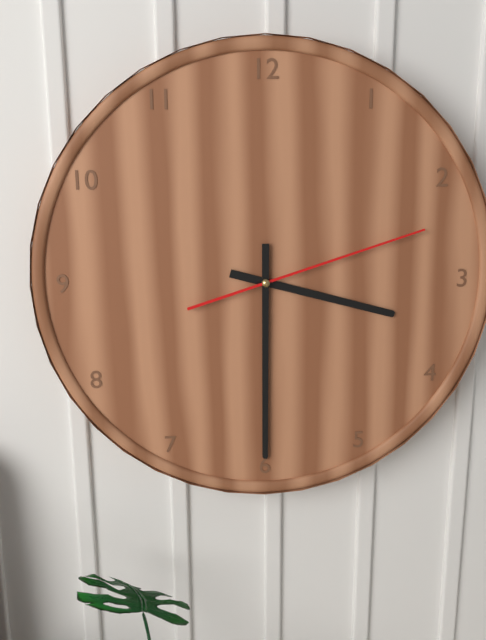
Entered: 3 h 30 min 12 s
